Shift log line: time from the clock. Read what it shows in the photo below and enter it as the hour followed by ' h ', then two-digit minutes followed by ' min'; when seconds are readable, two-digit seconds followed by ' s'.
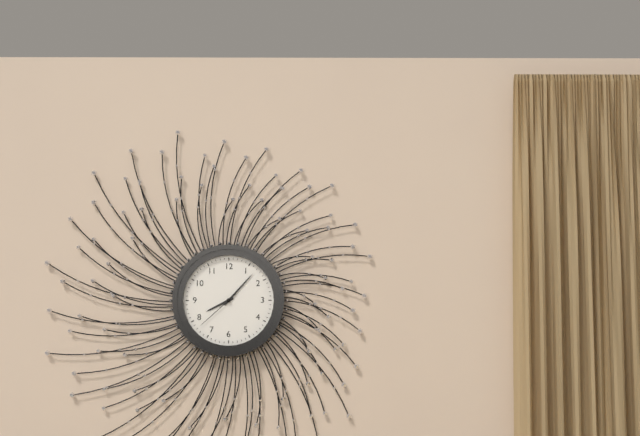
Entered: 8 h 07 min
